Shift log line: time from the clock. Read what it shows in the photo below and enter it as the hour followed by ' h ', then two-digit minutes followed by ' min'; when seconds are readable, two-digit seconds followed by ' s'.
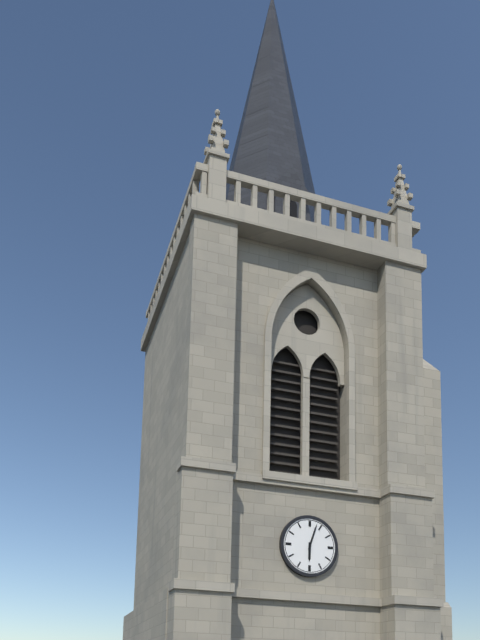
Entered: 6 h 03 min
